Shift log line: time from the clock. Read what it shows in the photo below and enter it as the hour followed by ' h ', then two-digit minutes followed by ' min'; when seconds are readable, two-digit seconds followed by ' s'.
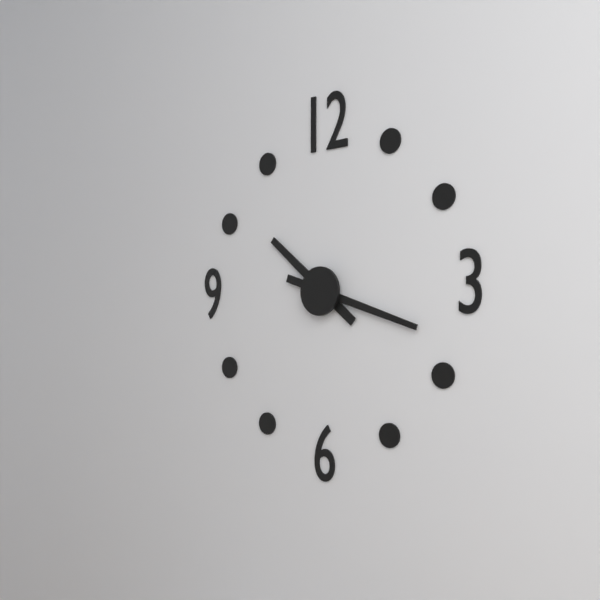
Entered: 10 h 18 min
